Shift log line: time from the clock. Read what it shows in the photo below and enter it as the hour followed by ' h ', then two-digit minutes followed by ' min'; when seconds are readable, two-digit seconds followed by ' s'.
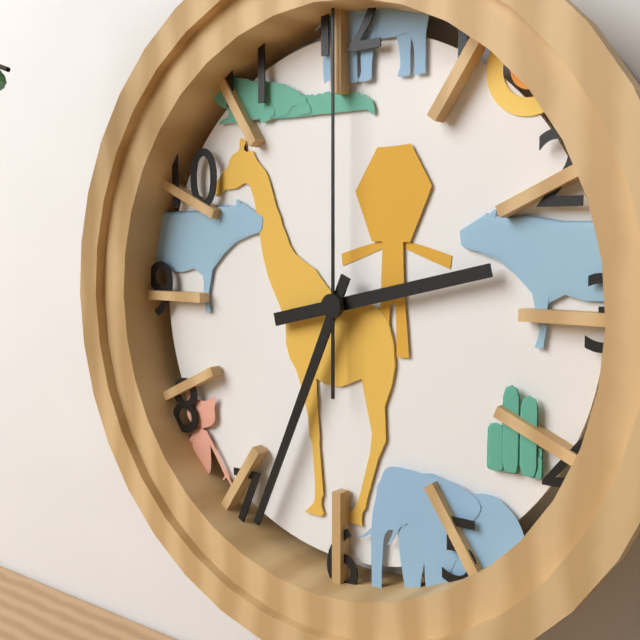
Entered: 2 h 34 min 00 s
